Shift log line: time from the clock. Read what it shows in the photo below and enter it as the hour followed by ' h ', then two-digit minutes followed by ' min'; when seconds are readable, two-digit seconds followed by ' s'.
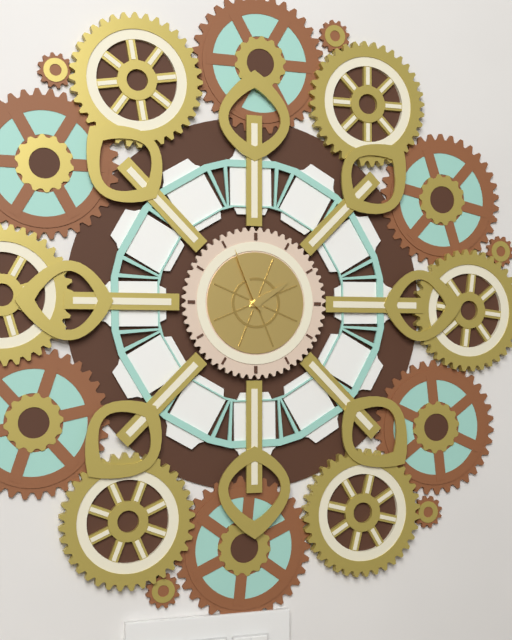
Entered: 1 h 56 min
